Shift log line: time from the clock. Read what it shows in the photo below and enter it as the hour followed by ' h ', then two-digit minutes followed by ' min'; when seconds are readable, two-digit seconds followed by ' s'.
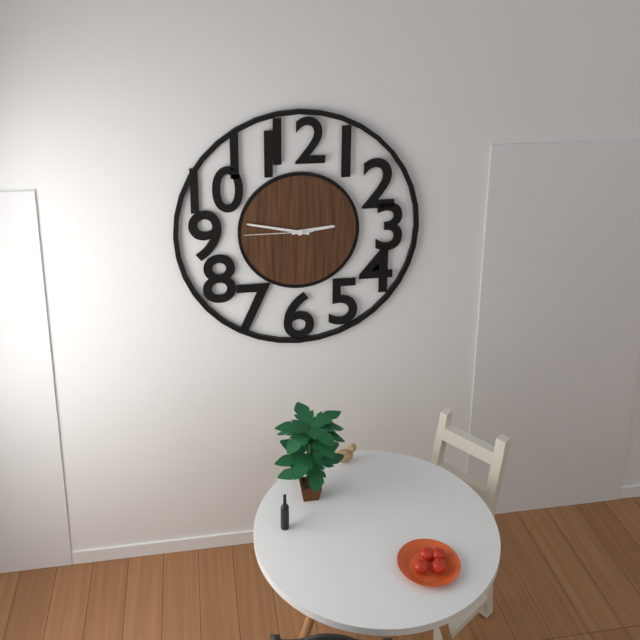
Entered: 2 h 47 min 45 s
